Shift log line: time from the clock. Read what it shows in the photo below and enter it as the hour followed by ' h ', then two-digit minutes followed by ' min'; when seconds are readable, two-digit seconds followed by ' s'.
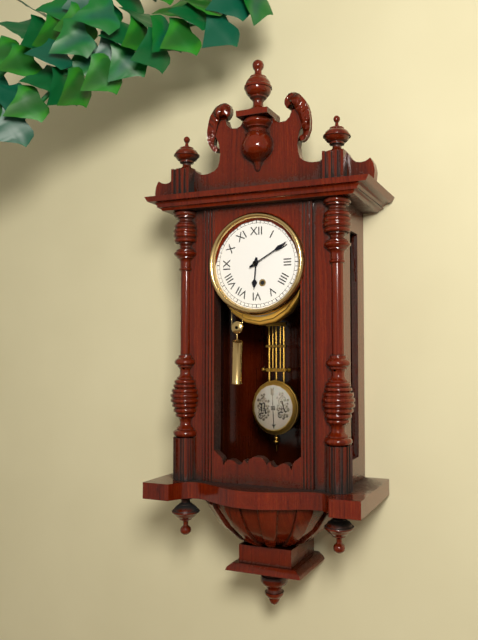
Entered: 6 h 10 min
